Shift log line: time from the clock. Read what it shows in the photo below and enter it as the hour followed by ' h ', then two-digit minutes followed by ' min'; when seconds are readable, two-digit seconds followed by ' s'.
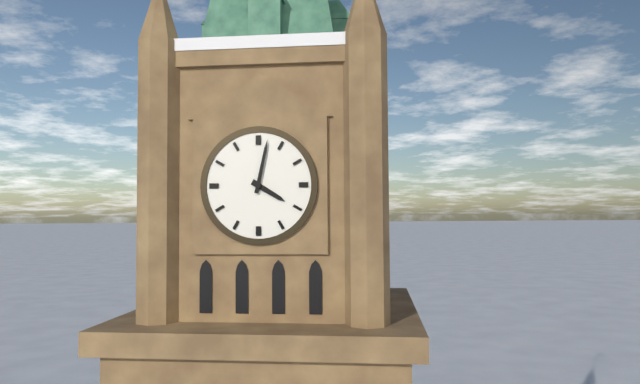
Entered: 4 h 02 min
